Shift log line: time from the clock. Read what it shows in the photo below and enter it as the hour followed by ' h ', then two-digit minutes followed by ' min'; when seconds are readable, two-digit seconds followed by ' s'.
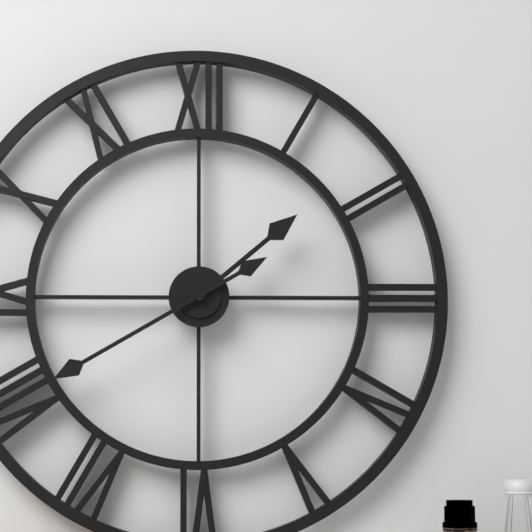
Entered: 1 h 40 min
